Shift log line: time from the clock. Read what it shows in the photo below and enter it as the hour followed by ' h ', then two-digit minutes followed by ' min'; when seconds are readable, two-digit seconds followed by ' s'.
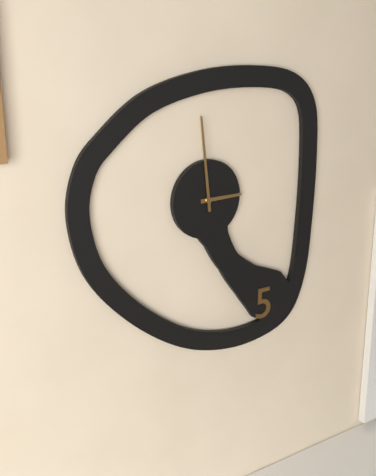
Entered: 2 h 59 min
